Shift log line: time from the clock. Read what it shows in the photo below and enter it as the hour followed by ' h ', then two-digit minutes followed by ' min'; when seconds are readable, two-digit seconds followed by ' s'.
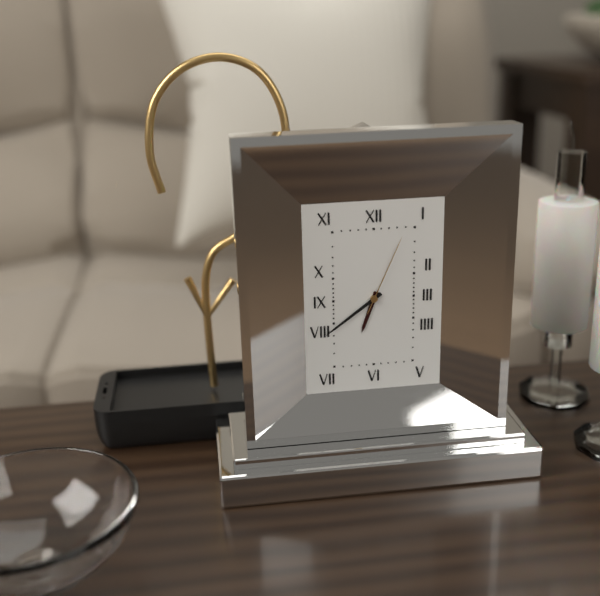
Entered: 6 h 39 min 04 s
